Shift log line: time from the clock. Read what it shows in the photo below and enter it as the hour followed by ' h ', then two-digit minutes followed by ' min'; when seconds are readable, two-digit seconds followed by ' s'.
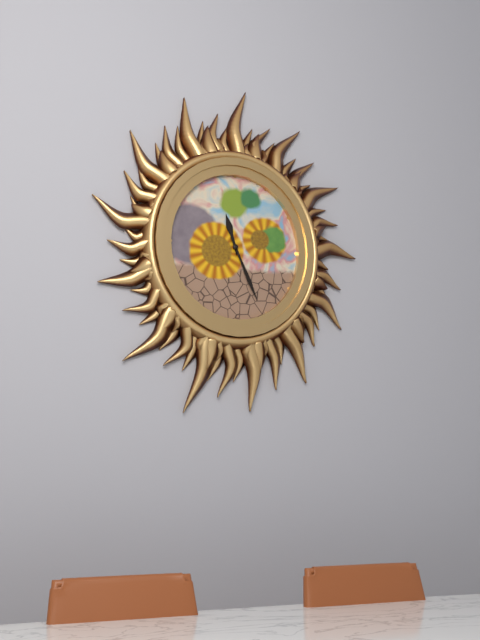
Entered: 11 h 26 min
